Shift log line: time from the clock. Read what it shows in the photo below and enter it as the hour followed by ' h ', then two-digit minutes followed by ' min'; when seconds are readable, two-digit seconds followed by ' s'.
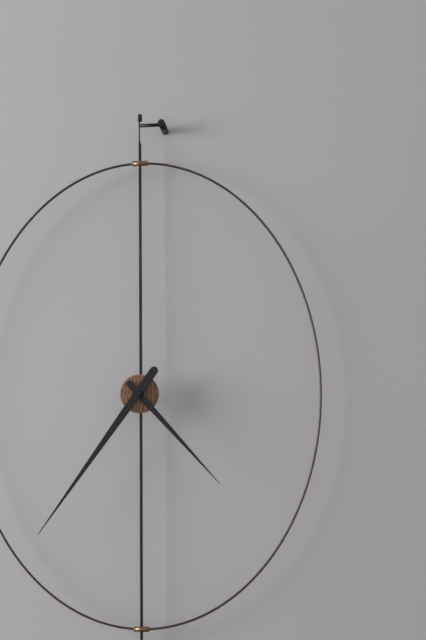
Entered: 4 h 36 min
